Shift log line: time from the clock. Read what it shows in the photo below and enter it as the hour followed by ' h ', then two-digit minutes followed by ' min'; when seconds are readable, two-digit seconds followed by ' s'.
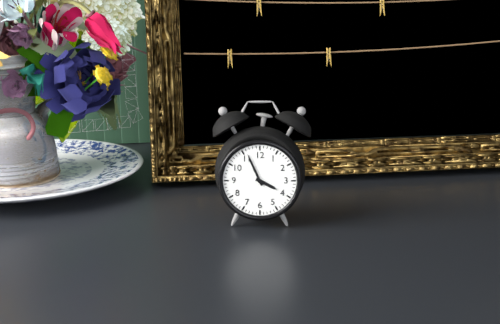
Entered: 3 h 56 min
